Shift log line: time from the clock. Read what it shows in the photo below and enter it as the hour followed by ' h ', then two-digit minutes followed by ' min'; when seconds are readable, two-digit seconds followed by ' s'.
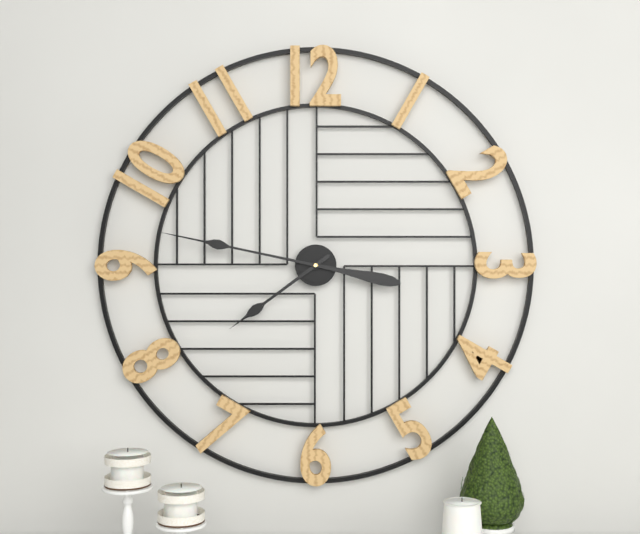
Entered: 7 h 47 min
